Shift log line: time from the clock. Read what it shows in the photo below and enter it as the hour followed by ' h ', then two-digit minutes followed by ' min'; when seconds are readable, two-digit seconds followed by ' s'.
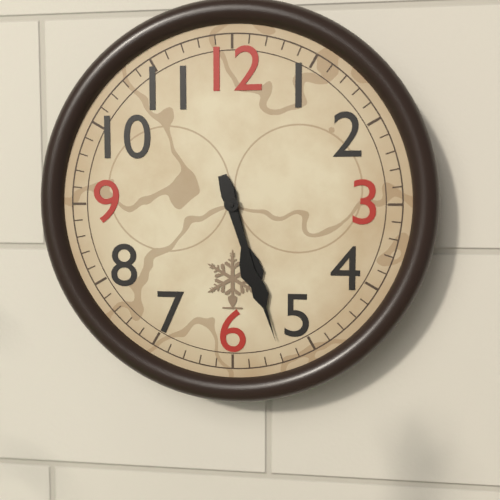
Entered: 5 h 27 min
